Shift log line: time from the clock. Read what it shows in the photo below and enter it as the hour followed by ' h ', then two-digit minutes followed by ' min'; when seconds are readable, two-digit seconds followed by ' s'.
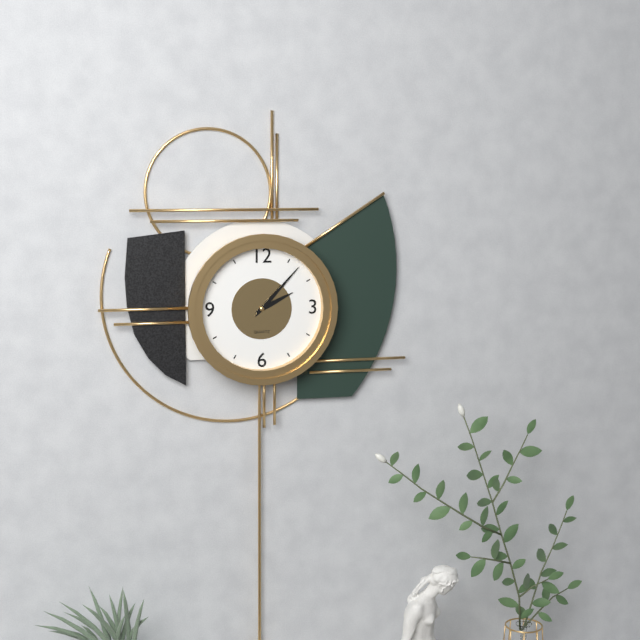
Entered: 2 h 07 min
